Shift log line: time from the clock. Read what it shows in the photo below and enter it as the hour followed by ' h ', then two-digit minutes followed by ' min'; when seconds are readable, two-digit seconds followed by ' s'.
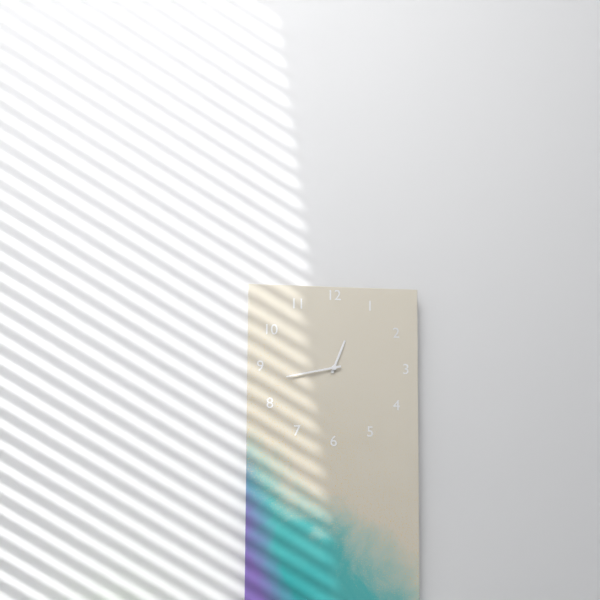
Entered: 12 h 43 min
